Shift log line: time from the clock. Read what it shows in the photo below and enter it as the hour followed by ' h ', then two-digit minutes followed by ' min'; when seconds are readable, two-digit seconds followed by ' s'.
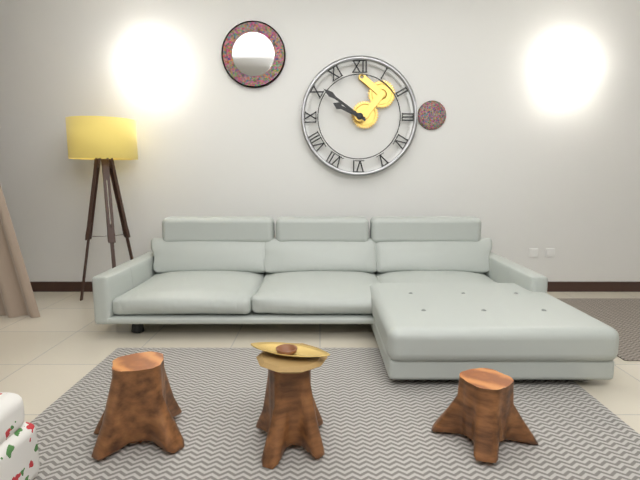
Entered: 9 h 51 min
